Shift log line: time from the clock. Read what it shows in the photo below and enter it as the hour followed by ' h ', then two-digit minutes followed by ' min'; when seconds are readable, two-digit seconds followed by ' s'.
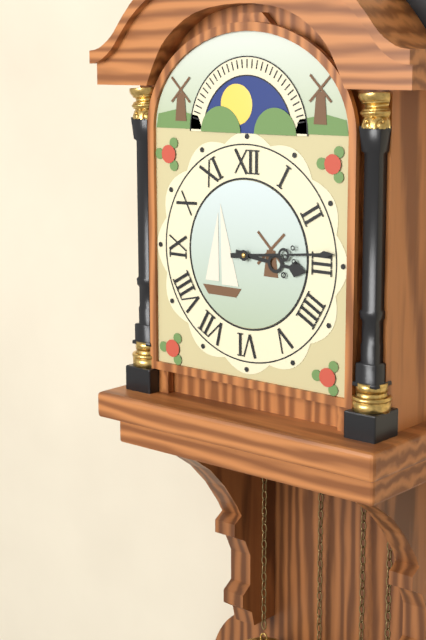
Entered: 3 h 14 min
